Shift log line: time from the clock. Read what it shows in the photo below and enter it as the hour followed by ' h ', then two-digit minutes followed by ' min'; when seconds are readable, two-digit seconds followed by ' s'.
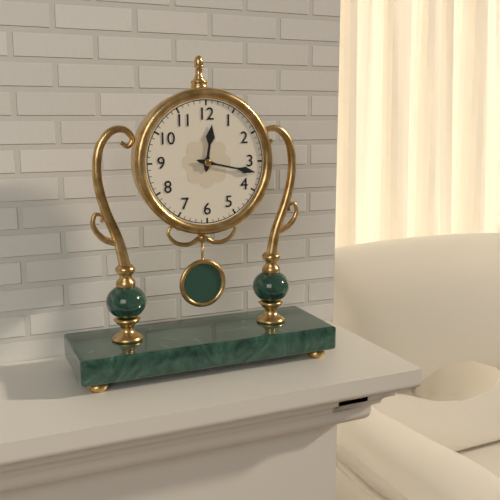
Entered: 12 h 17 min
